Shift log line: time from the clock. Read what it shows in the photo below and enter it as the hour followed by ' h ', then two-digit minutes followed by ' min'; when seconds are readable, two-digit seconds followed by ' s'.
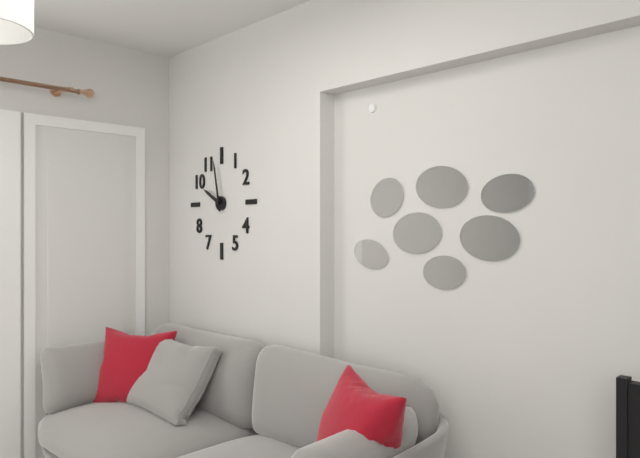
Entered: 9 h 58 min
